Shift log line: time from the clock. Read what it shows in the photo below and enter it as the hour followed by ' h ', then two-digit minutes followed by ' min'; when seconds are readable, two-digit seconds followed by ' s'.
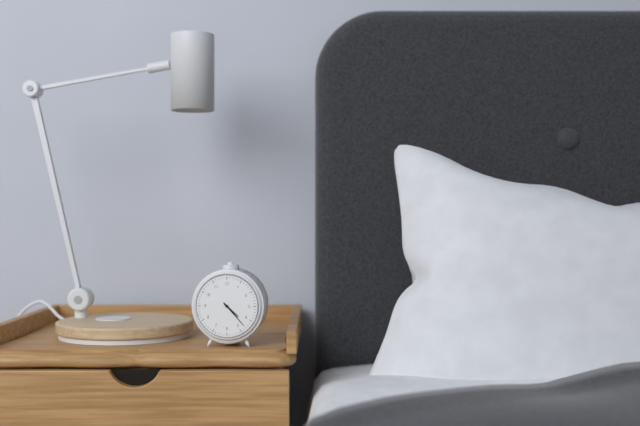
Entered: 4 h 23 min
